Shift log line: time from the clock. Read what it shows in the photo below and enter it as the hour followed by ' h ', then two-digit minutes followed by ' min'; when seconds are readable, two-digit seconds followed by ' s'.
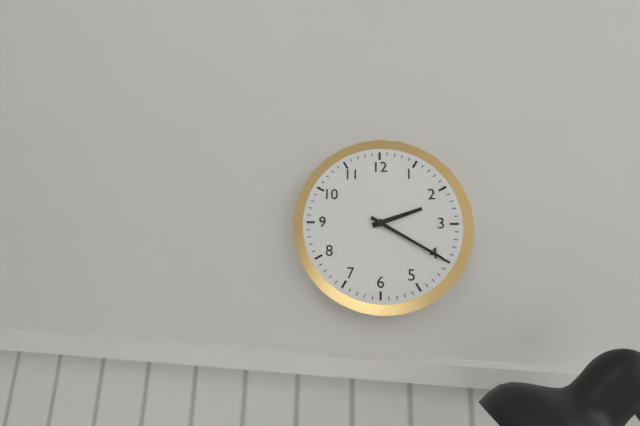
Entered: 2 h 20 min
